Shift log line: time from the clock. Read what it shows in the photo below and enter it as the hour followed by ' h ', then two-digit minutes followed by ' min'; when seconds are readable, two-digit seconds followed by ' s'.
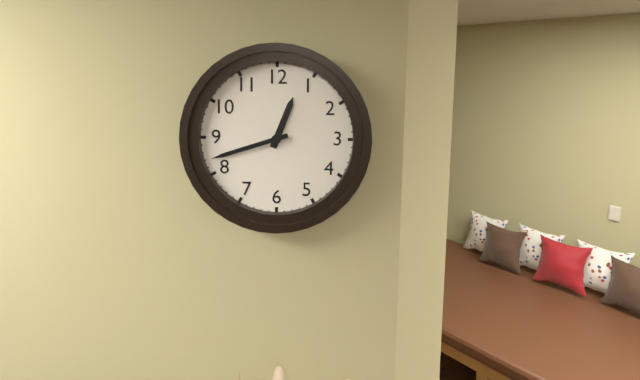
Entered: 12 h 42 min
